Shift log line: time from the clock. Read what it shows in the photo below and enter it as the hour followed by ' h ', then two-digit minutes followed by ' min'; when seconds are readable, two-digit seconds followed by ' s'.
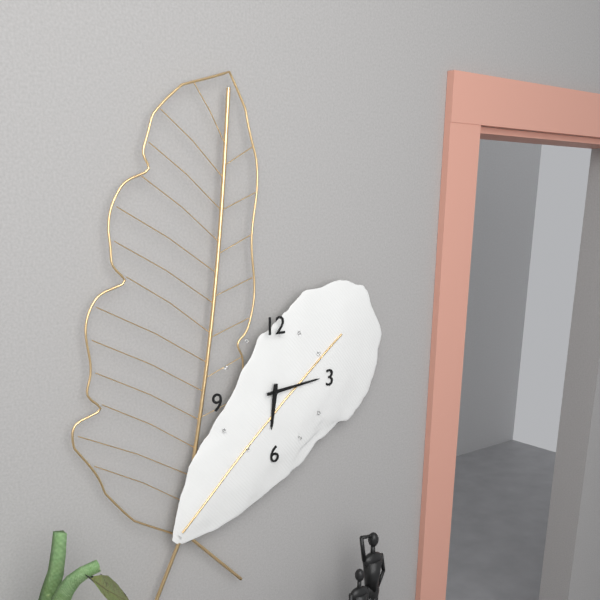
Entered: 6 h 14 min
